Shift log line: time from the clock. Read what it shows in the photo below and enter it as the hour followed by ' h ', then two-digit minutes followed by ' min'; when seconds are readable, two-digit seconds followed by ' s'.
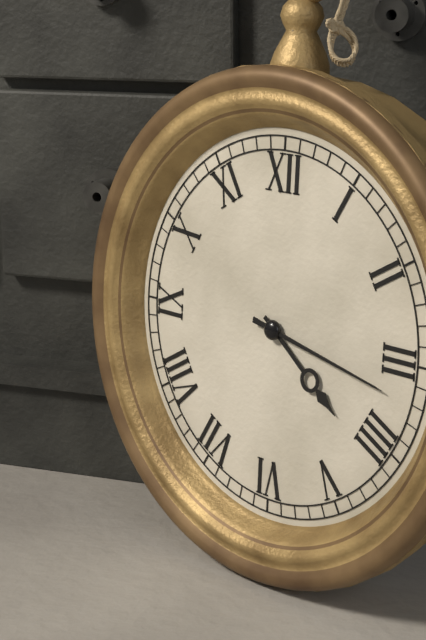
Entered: 4 h 17 min
